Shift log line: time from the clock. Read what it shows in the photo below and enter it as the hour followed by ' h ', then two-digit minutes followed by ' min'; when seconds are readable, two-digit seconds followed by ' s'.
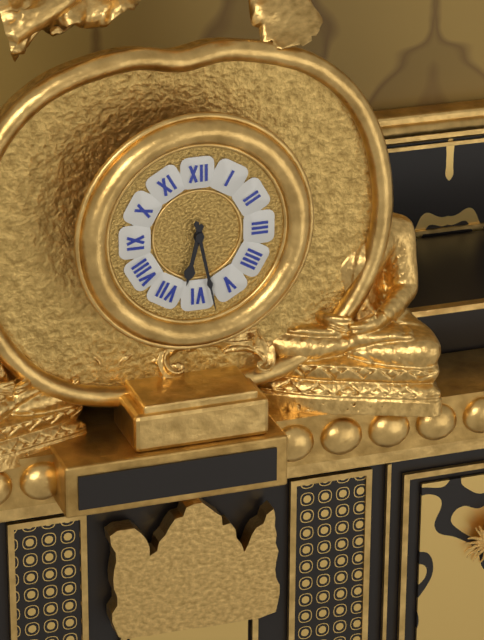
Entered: 6 h 28 min
